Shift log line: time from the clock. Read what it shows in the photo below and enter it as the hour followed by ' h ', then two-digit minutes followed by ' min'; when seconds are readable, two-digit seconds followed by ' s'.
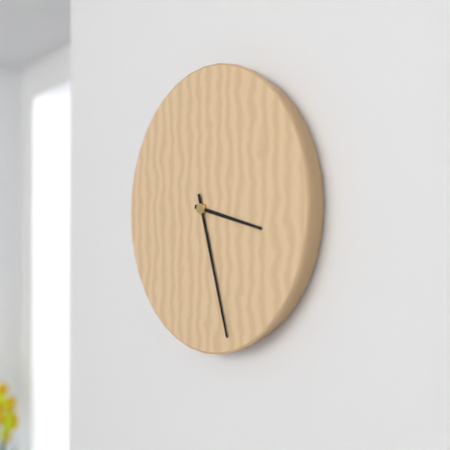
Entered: 3 h 27 min
